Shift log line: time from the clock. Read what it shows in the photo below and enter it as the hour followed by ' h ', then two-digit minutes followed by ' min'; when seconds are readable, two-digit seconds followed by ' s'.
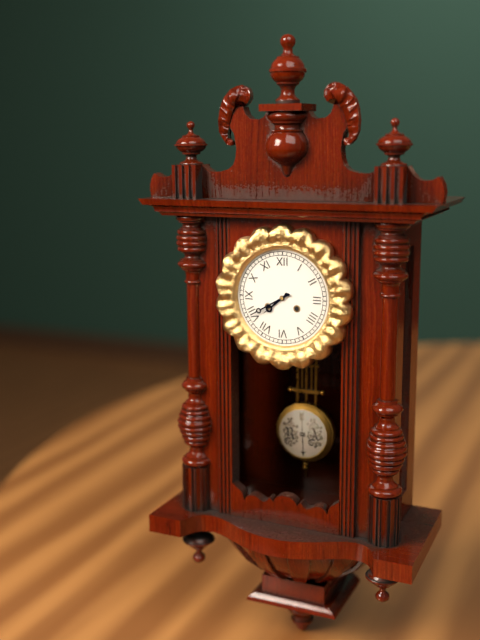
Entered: 7 h 40 min
